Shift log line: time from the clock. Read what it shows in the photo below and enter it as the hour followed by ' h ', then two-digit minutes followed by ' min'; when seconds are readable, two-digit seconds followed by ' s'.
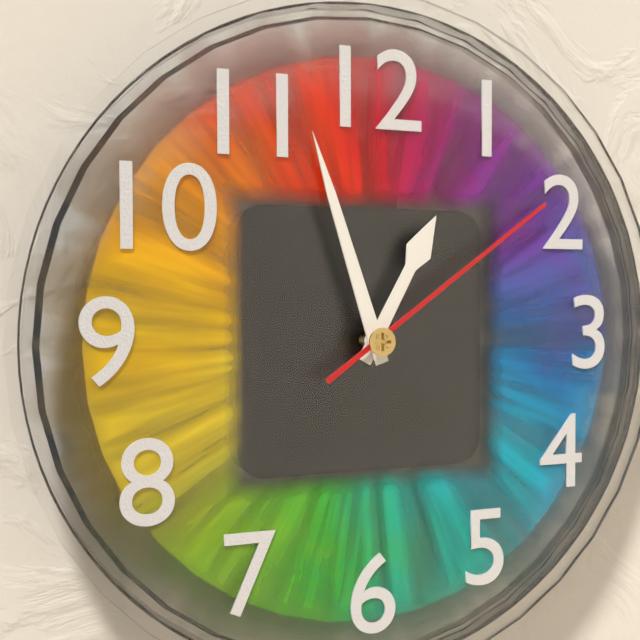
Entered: 12 h 57 min 09 s
